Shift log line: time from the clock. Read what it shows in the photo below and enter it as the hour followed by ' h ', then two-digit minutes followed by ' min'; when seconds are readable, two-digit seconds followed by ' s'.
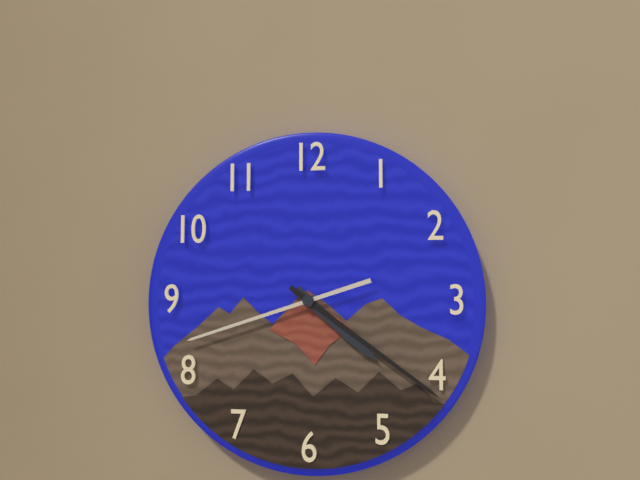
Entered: 4 h 21 min 42 s
